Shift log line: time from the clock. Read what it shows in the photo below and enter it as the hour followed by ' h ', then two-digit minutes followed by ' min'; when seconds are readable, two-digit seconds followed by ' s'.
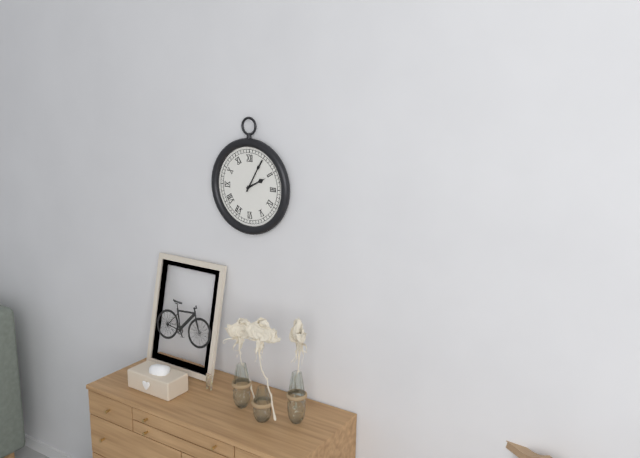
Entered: 2 h 05 min
